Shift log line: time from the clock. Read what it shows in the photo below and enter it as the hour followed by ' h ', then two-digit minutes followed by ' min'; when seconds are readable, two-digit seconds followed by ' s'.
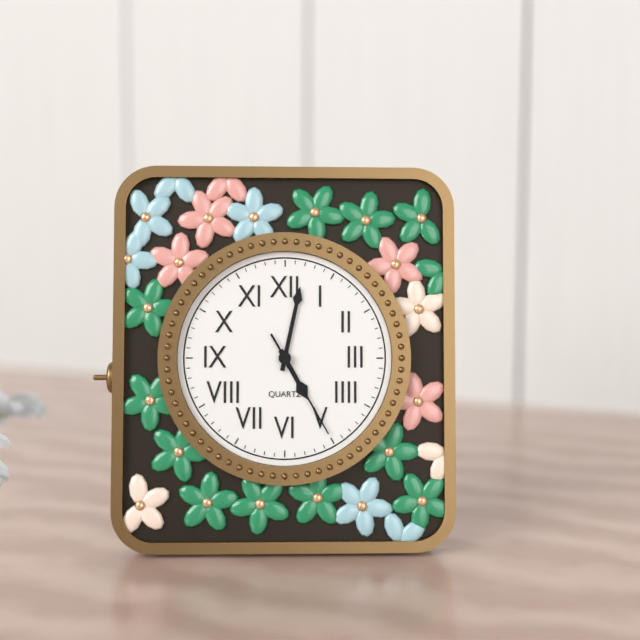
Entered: 5 h 02 min 25 s
